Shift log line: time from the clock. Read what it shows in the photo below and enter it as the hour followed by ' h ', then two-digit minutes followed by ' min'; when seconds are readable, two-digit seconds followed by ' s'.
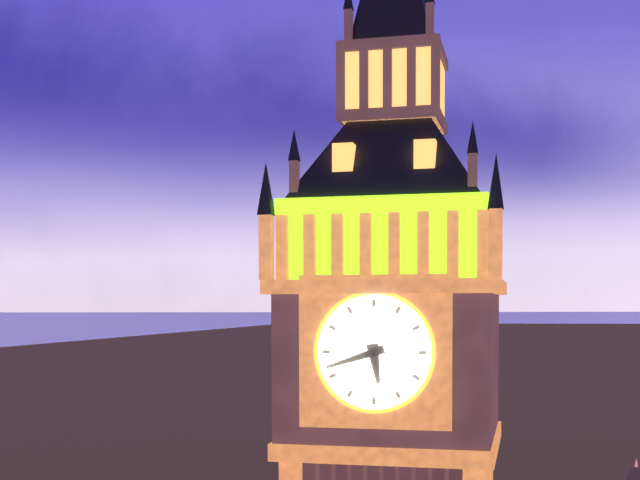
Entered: 5 h 42 min
